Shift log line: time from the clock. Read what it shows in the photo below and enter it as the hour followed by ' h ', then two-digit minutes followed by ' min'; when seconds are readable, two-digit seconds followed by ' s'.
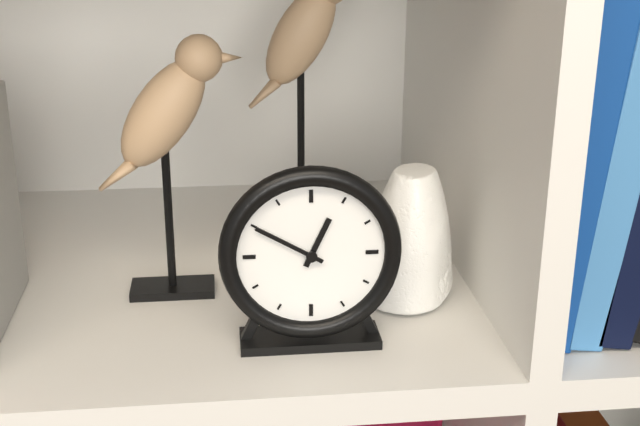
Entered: 12 h 50 min
